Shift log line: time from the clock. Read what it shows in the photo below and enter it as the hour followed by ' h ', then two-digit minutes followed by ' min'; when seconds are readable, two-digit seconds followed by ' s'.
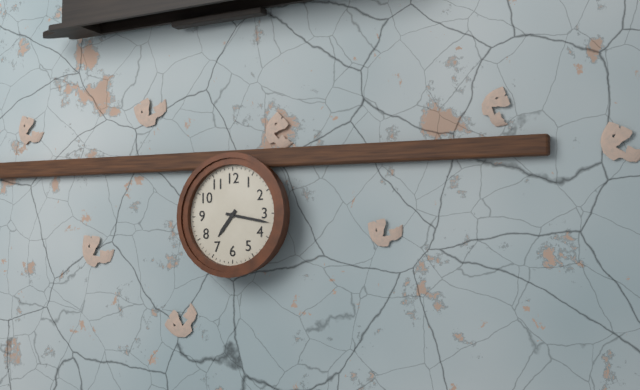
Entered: 7 h 17 min
